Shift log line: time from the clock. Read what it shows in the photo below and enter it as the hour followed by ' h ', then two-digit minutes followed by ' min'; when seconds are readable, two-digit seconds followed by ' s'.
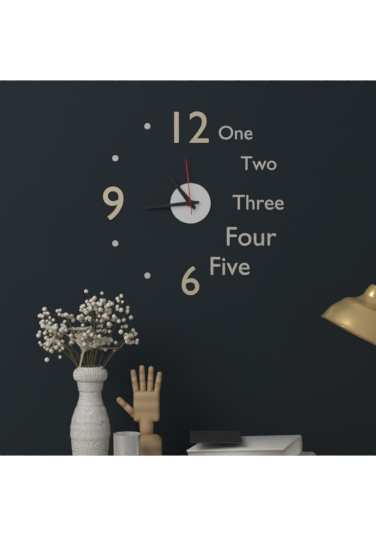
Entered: 10 h 44 min 59 s
